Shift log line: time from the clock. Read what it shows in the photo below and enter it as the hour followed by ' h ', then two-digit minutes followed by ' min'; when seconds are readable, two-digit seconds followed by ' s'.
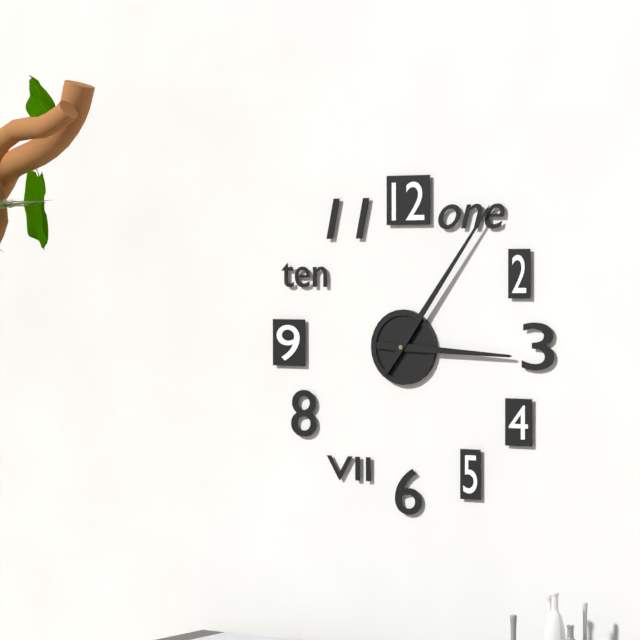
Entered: 3 h 06 min
